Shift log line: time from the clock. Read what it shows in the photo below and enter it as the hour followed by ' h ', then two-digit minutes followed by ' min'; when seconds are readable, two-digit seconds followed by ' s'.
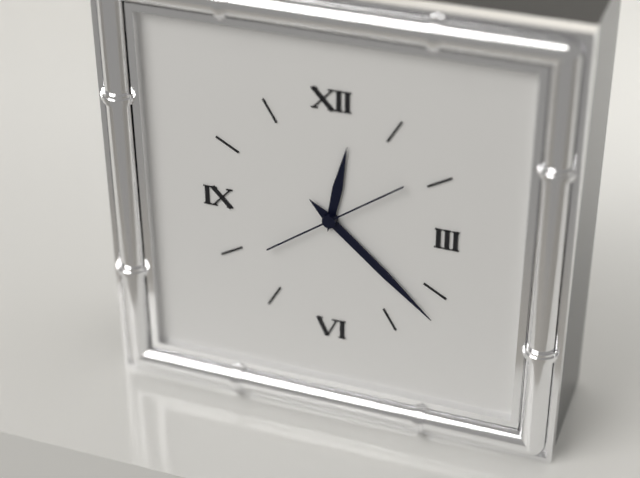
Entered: 12 h 22 min 09 s
